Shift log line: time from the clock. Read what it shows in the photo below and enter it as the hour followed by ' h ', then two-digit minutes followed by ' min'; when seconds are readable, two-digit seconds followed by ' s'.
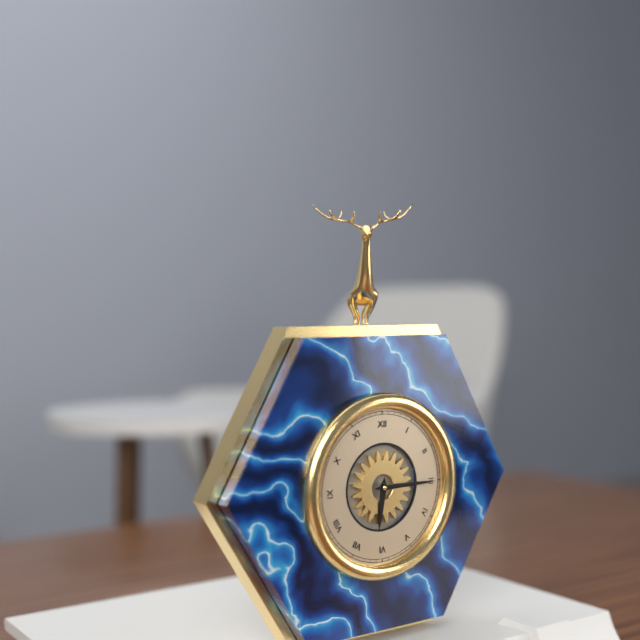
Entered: 6 h 15 min
